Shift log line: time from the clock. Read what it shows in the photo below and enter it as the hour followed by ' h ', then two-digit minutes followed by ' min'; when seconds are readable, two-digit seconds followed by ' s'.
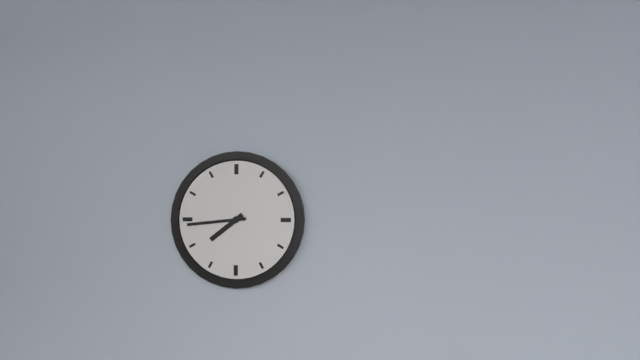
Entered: 7 h 44 min
